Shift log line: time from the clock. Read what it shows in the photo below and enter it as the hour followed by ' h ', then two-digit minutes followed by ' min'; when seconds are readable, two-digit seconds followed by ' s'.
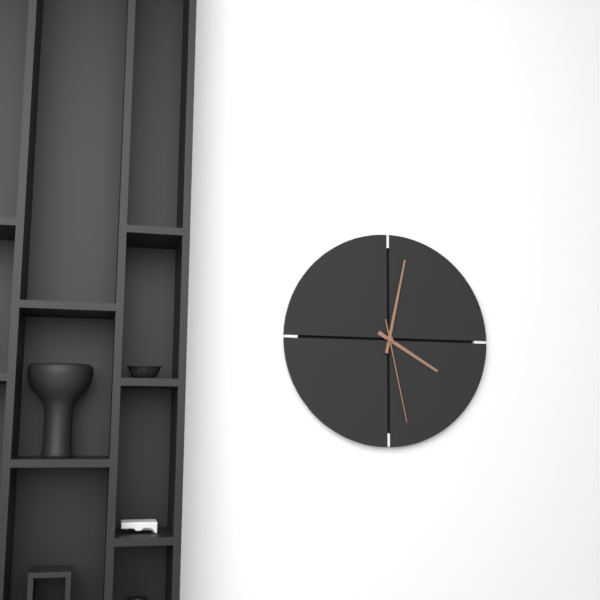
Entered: 4 h 02 min 28 s
